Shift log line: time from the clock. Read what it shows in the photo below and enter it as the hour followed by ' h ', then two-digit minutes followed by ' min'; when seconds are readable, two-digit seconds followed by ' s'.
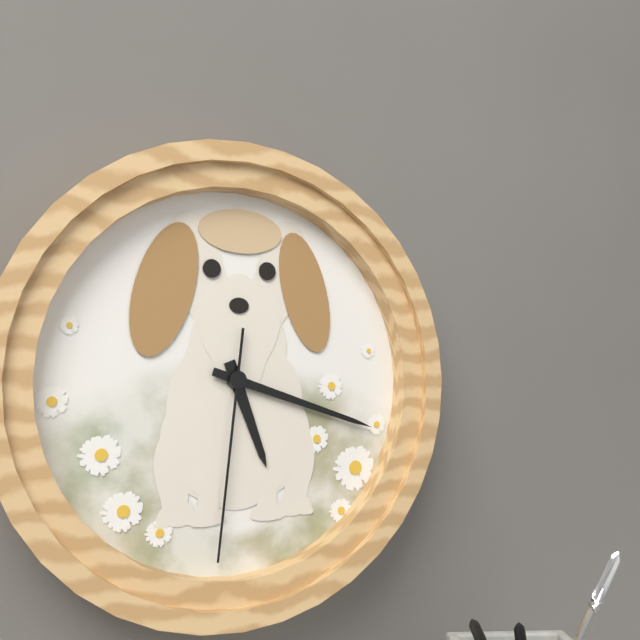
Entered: 5 h 18 min 31 s
